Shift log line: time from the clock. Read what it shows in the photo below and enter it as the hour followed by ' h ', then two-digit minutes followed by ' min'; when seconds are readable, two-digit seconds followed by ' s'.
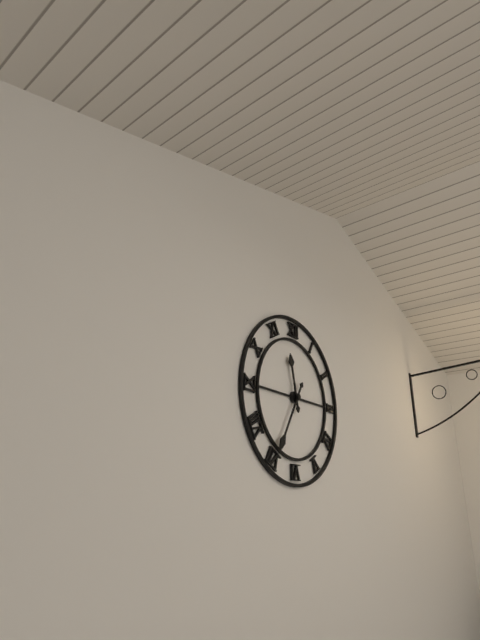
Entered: 11 h 35 min
